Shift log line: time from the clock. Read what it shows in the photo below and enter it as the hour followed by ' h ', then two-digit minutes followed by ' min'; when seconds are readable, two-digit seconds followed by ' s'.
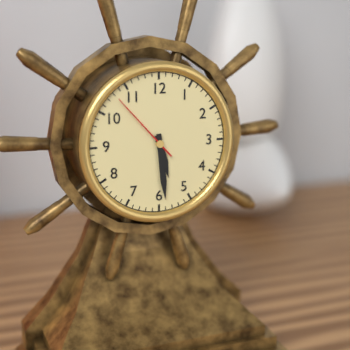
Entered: 5 h 29 min 53 s
